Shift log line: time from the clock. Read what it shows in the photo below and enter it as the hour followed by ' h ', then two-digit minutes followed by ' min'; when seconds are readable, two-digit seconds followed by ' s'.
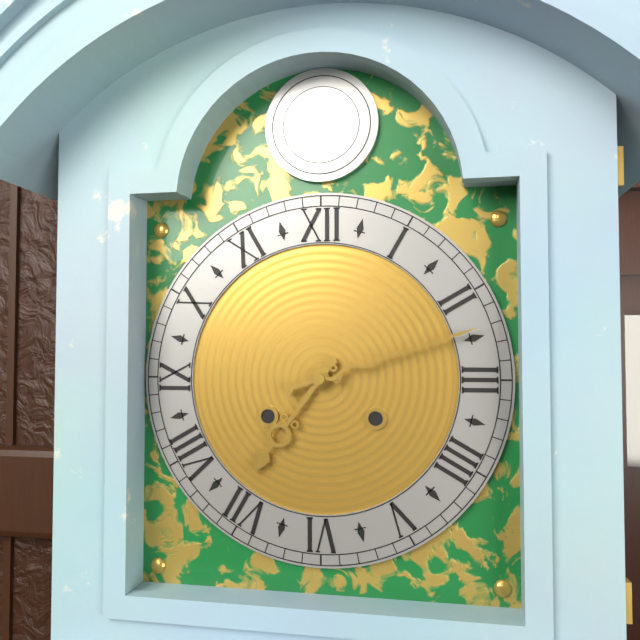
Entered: 7 h 12 min
